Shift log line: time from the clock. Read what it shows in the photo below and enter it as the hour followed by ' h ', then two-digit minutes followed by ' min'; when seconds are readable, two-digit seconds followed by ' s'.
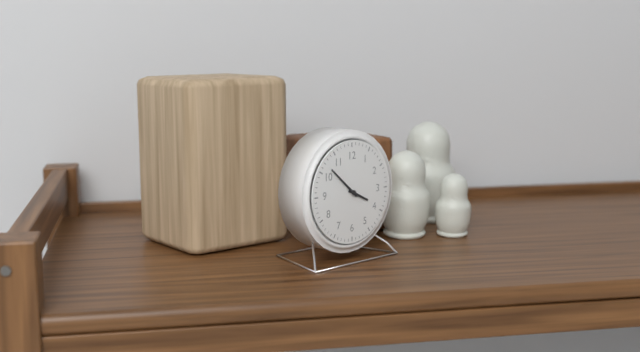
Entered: 3 h 52 min
